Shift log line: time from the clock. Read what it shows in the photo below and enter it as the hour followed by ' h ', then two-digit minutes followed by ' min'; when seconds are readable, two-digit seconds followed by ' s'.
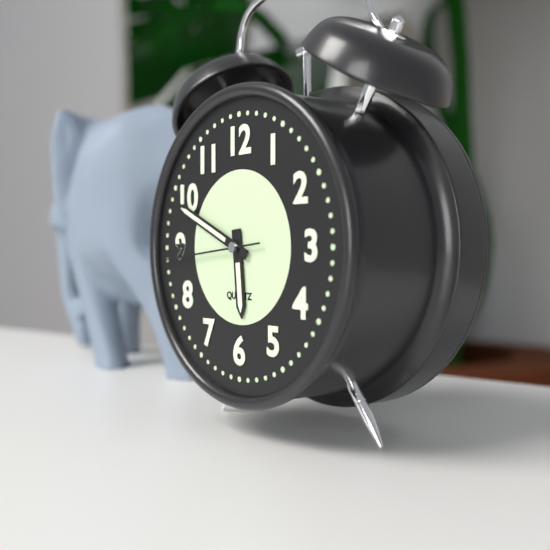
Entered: 5 h 49 min 44 s
